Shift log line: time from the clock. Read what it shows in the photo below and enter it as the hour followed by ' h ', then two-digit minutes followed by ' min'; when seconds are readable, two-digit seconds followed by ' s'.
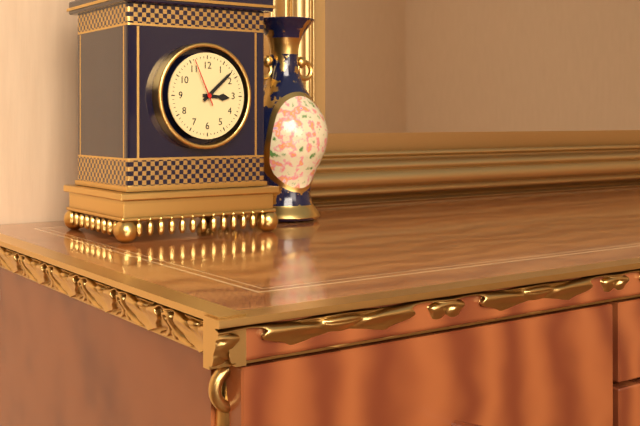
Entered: 3 h 08 min
